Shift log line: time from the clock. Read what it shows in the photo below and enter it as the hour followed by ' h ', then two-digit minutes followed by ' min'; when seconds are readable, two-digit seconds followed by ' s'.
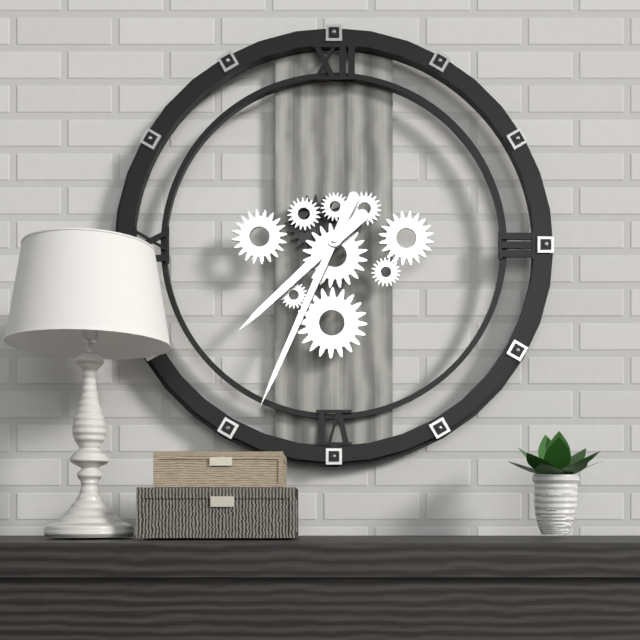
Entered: 7 h 34 min
